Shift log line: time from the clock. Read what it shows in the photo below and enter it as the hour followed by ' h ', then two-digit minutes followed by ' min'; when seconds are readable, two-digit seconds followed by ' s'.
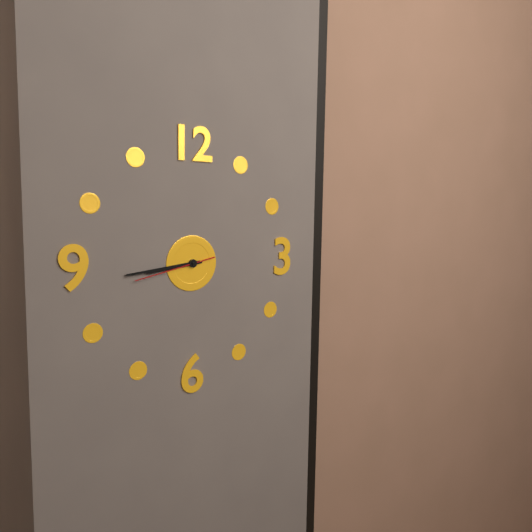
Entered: 8 h 44 min 43 s
